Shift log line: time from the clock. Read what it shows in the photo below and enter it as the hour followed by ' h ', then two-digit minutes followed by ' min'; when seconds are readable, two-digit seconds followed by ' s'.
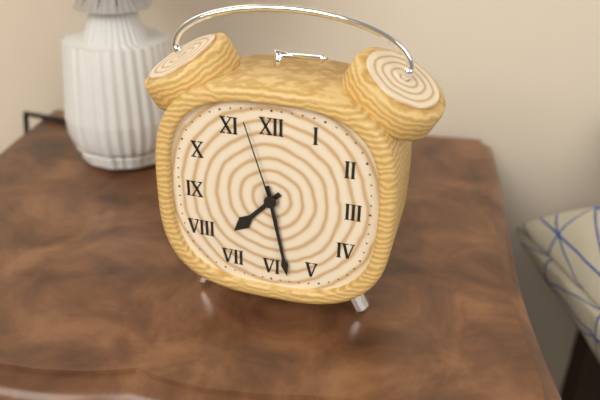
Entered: 7 h 28 min 57 s
